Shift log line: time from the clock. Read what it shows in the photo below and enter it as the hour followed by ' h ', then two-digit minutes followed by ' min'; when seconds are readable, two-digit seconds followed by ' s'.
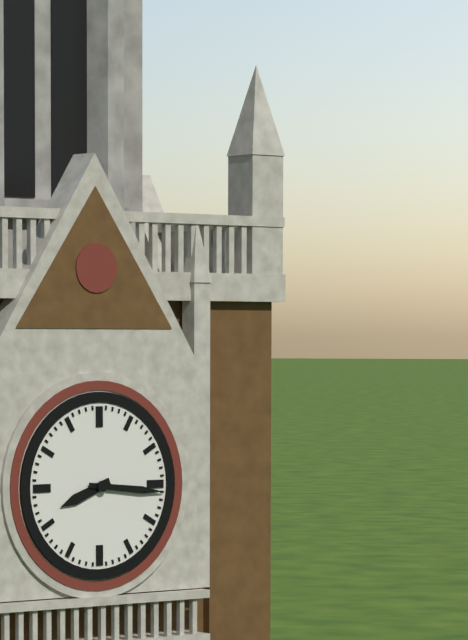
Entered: 8 h 16 min
